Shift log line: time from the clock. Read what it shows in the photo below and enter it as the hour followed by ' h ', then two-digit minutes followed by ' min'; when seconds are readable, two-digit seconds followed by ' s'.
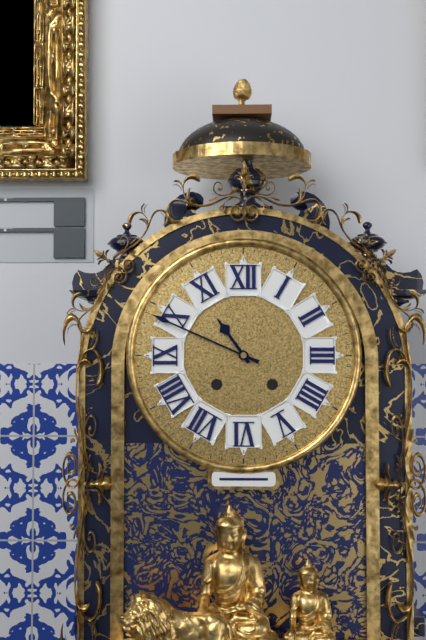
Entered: 10 h 49 min
